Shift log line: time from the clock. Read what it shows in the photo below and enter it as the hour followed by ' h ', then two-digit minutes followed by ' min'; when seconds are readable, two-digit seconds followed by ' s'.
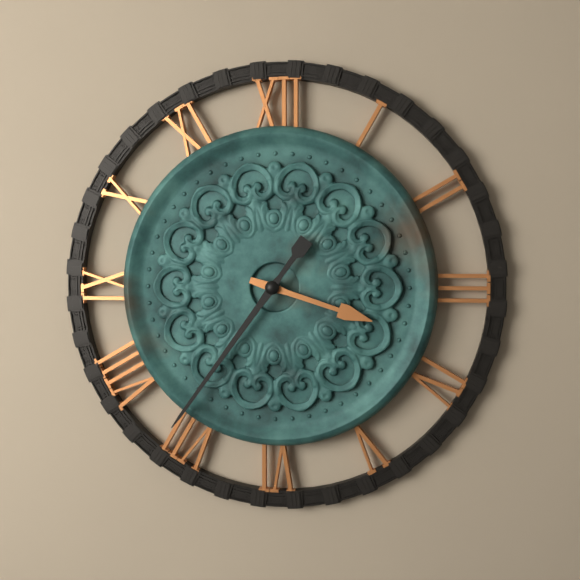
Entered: 3 h 36 min
